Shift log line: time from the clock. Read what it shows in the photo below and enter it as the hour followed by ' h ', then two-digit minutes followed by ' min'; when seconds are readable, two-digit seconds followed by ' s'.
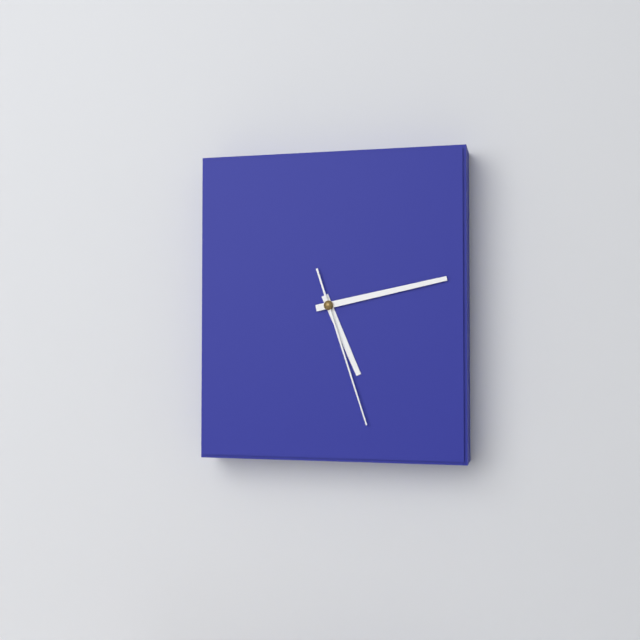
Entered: 5 h 13 min 27 s
